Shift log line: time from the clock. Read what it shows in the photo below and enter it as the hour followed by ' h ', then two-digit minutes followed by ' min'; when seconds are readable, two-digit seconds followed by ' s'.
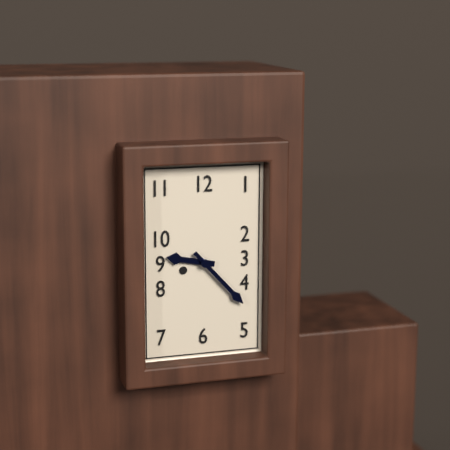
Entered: 9 h 23 min
